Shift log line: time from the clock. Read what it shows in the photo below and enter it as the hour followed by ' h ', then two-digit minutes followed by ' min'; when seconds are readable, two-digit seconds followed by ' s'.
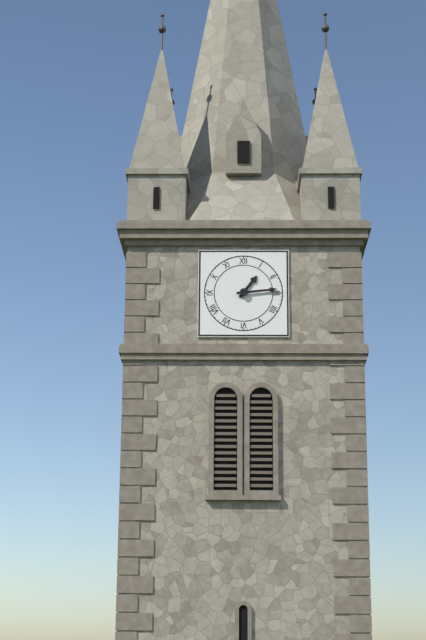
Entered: 1 h 14 min
